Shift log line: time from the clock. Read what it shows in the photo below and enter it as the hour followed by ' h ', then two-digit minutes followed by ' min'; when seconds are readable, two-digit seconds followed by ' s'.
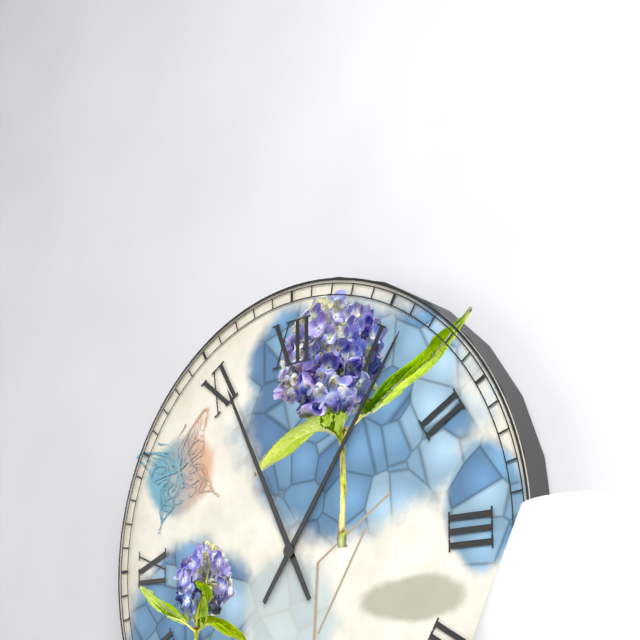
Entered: 11 h 06 min
